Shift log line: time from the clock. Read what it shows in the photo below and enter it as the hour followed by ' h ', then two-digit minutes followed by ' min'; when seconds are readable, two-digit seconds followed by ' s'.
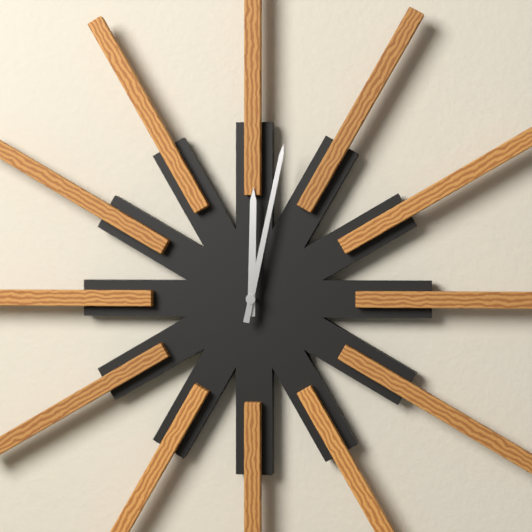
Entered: 12 h 02 min
